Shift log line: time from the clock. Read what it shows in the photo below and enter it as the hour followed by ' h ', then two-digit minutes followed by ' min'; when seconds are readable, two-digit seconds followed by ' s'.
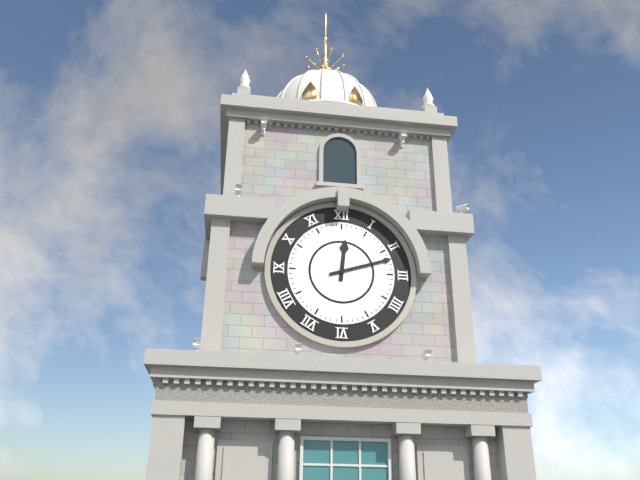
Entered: 12 h 12 min
